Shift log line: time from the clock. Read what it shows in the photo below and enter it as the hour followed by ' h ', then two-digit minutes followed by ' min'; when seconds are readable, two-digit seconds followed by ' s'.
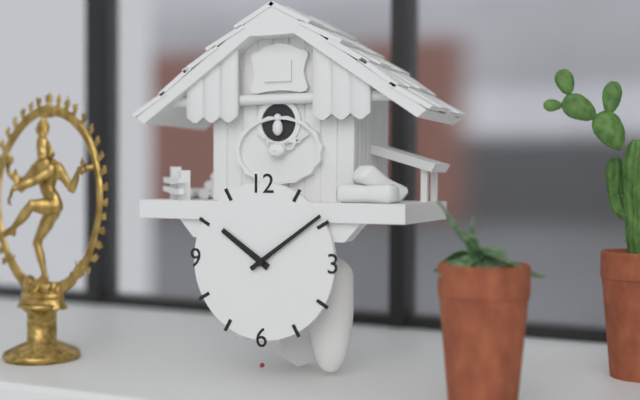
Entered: 10 h 09 min
